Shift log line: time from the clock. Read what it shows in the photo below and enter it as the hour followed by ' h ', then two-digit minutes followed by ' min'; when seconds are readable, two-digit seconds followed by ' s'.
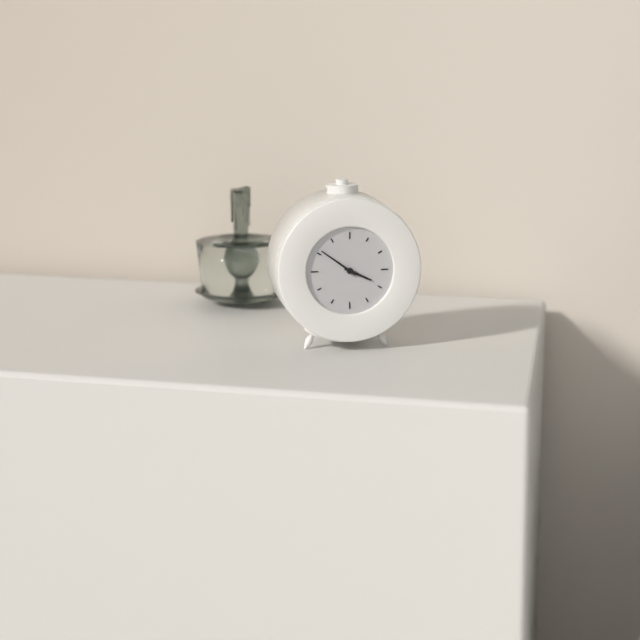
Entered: 3 h 51 min
